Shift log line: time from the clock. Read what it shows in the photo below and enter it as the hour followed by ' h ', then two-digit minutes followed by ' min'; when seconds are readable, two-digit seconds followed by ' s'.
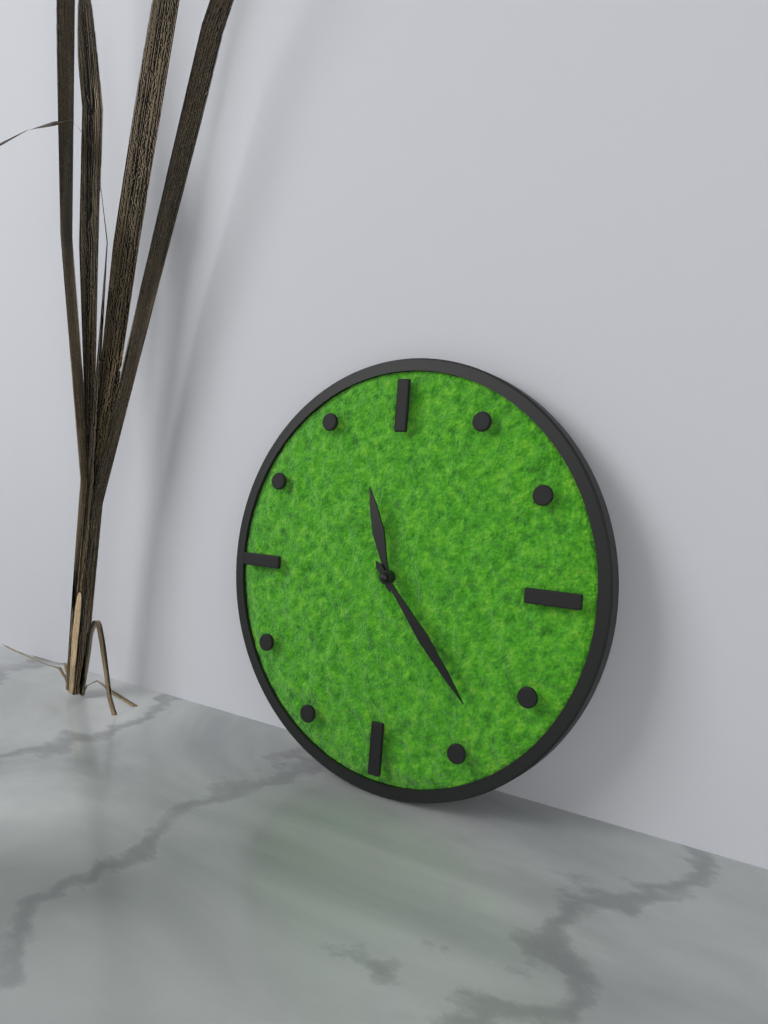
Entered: 11 h 23 min
